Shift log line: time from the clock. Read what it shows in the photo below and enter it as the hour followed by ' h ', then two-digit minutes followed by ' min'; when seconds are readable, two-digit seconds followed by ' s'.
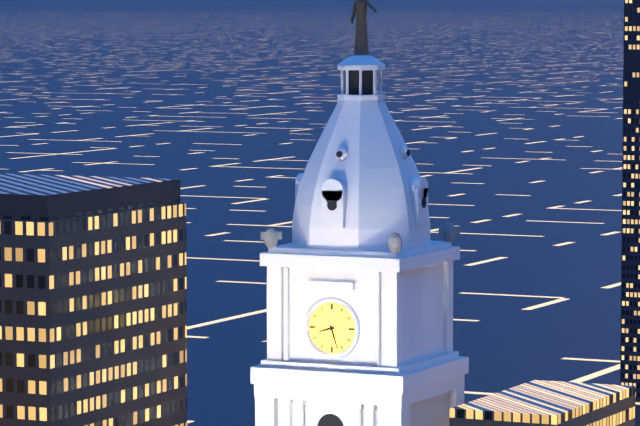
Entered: 8 h 27 min
